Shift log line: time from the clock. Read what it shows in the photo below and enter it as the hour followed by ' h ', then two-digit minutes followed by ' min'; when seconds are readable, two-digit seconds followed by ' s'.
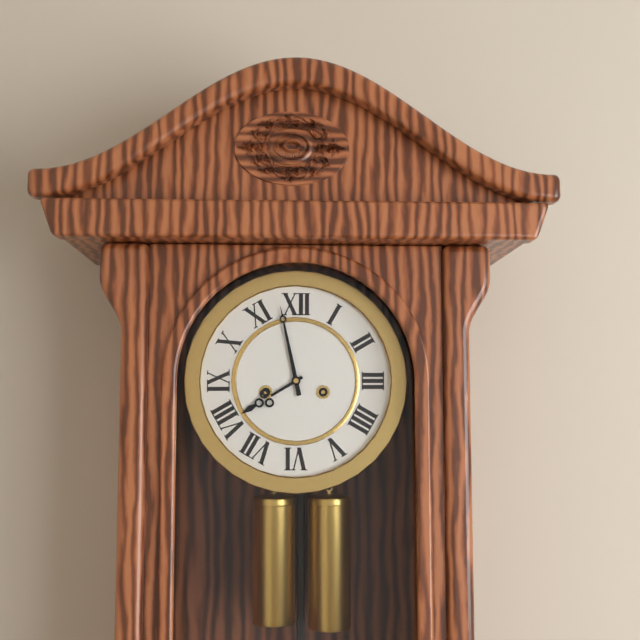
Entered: 7 h 58 min
